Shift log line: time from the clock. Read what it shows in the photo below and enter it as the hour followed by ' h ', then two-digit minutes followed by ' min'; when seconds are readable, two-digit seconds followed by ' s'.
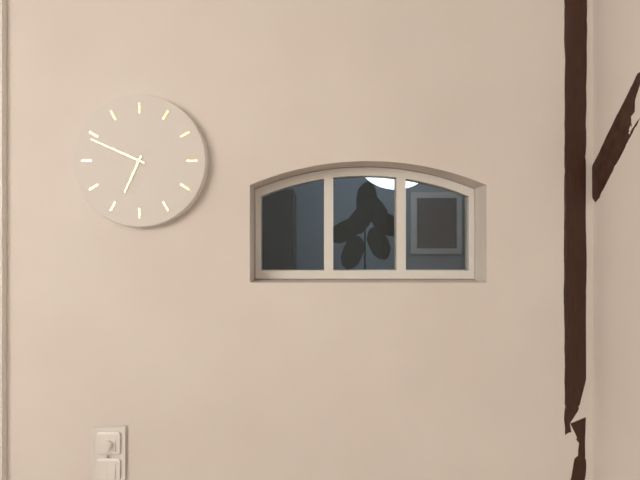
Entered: 6 h 49 min
